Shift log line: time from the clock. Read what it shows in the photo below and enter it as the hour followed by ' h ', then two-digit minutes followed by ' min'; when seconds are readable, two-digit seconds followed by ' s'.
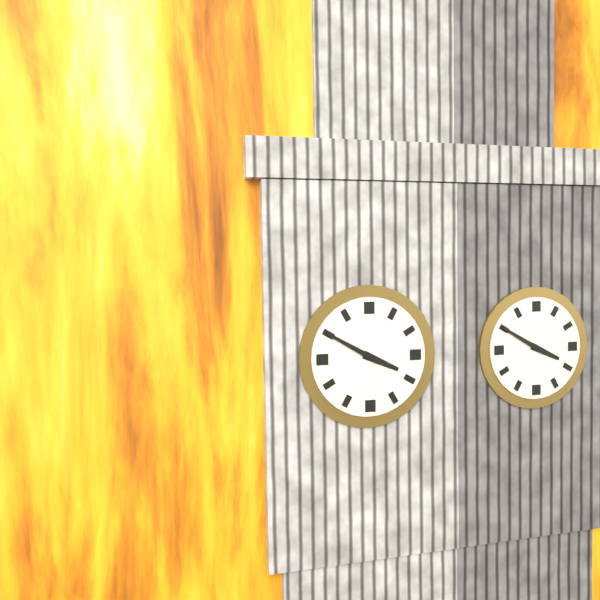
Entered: 3 h 50 min
